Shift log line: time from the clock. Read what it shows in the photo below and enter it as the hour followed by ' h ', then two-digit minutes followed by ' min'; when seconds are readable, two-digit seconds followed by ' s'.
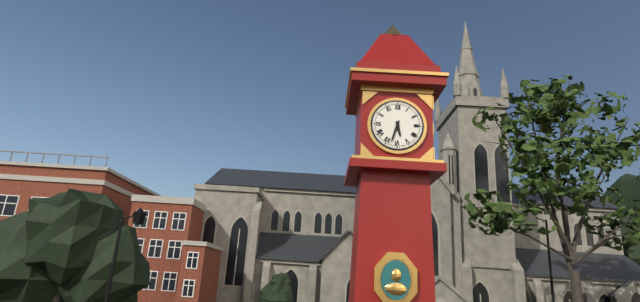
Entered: 5 h 33 min
